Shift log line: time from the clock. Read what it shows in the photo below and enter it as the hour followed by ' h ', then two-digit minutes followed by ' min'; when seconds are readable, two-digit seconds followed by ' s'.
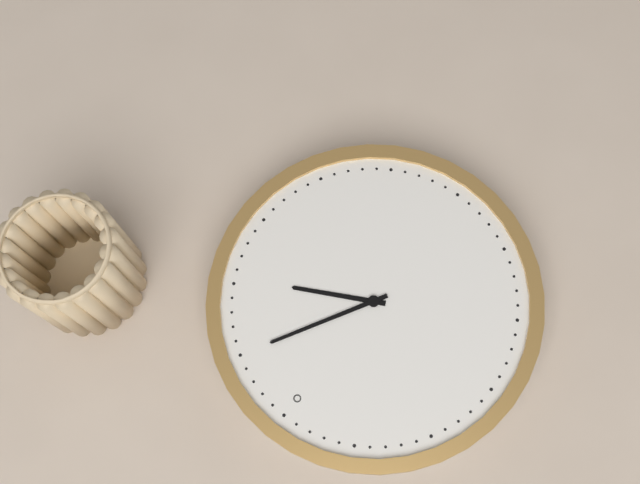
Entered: 2 h 05 min
